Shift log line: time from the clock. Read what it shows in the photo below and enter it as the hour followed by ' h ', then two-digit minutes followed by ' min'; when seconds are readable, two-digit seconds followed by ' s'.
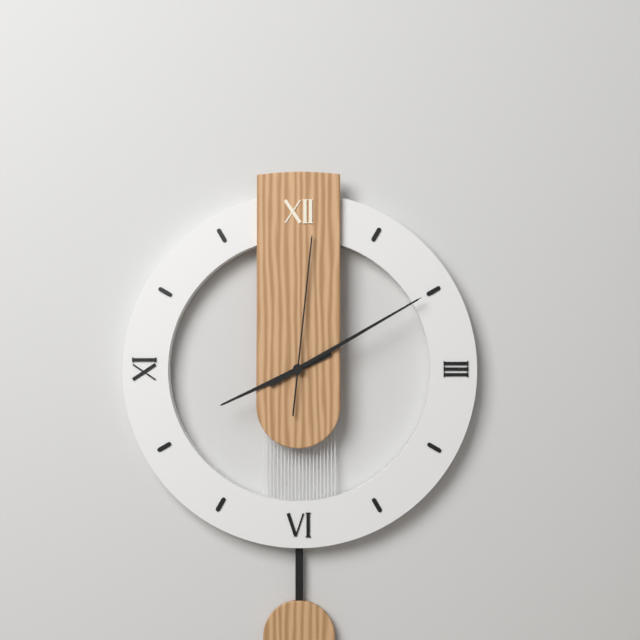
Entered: 8 h 10 min 01 s
